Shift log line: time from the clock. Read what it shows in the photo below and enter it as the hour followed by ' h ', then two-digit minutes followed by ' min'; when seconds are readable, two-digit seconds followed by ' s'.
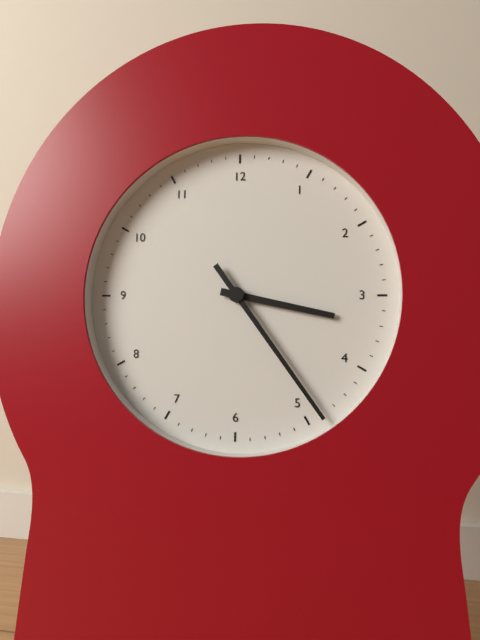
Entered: 3 h 24 min
